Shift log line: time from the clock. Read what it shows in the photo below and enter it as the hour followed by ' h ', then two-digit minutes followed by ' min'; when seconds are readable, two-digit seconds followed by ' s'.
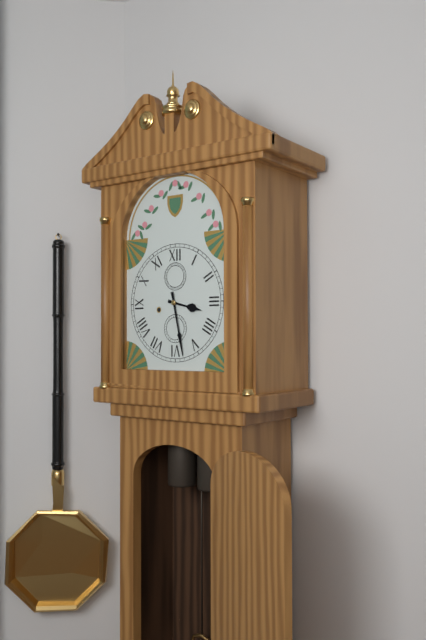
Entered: 3 h 28 min
